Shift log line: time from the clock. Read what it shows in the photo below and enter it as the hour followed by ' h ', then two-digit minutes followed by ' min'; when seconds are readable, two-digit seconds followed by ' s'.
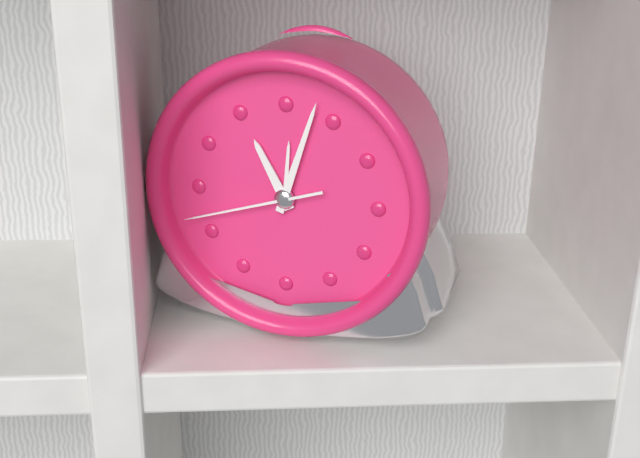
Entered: 11 h 03 min 42 s
